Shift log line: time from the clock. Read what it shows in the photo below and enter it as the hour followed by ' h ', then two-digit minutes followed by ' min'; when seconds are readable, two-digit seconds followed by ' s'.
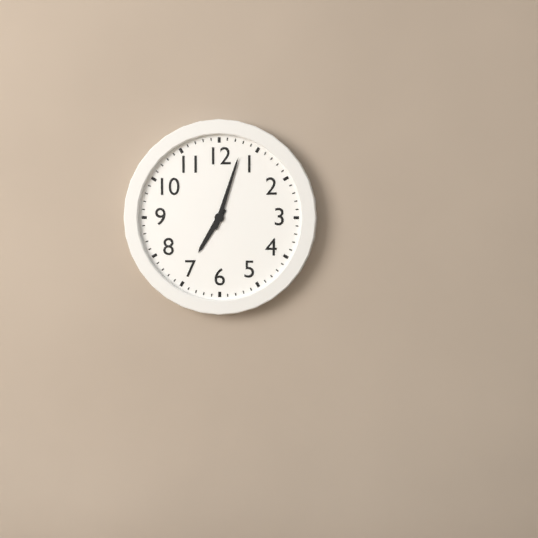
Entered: 7 h 03 min
